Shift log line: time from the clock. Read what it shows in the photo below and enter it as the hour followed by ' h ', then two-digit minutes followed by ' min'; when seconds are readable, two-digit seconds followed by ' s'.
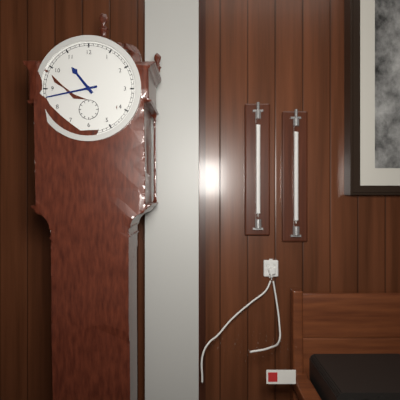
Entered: 10 h 43 min
